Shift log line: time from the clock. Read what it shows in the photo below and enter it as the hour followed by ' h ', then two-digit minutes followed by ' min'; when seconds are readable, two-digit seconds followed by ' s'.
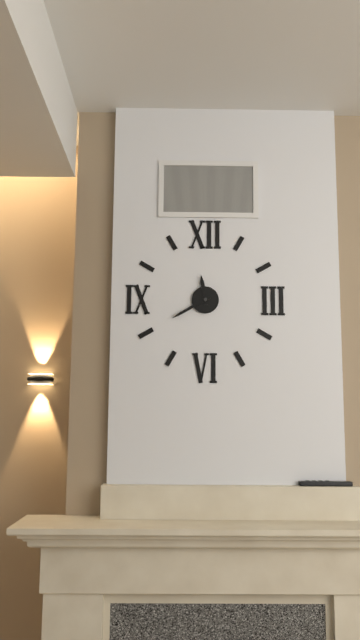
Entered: 11 h 40 min
